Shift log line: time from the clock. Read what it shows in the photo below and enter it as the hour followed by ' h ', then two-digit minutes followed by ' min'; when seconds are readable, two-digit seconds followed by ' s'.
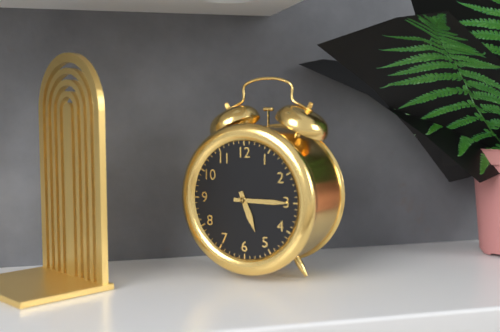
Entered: 5 h 15 min
